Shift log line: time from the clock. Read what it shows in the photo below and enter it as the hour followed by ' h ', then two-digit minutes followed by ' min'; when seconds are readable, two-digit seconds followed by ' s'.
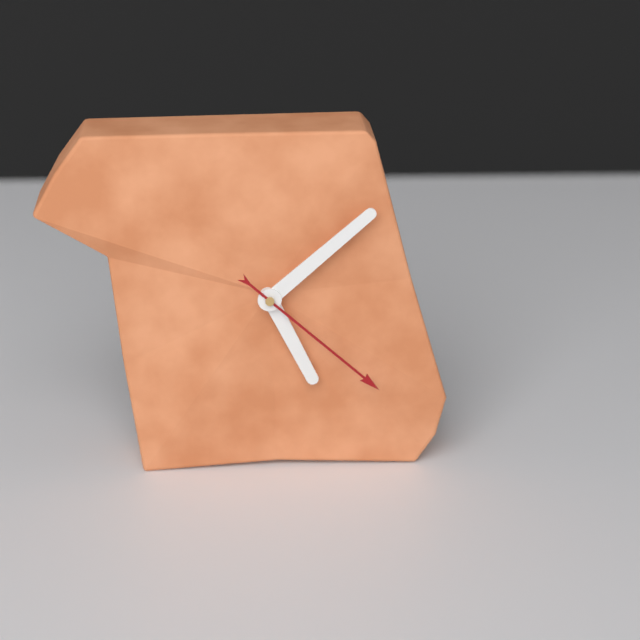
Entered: 5 h 08 min 22 s
